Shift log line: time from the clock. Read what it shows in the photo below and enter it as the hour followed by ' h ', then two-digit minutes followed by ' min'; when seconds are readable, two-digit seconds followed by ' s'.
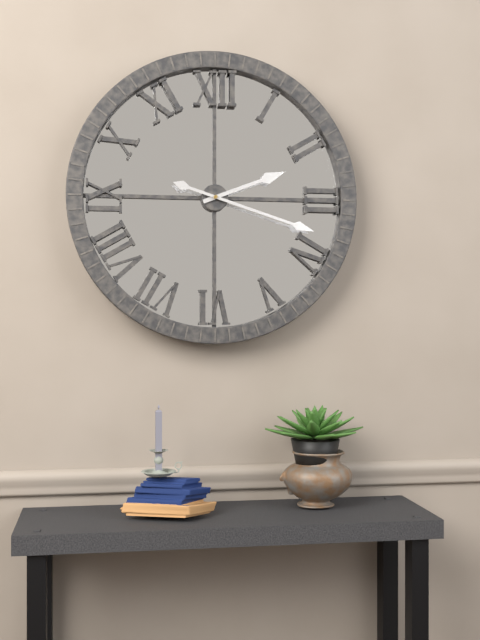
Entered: 2 h 18 min
